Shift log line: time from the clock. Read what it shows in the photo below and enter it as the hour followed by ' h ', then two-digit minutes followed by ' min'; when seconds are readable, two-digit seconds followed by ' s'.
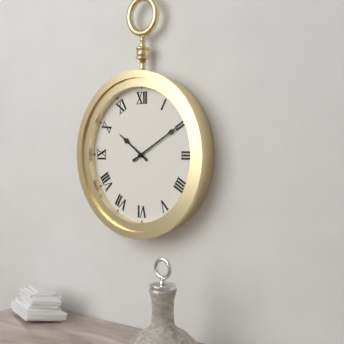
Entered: 10 h 10 min
